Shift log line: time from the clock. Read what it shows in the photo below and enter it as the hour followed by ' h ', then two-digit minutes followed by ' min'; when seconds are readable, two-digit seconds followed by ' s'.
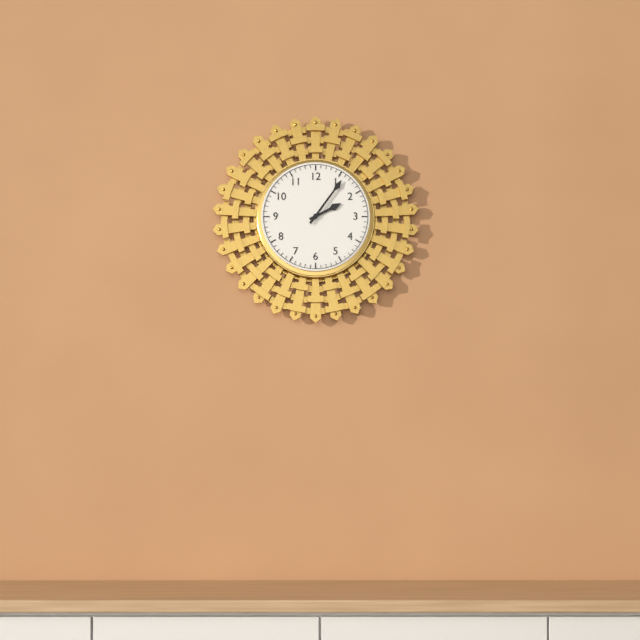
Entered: 2 h 06 min
